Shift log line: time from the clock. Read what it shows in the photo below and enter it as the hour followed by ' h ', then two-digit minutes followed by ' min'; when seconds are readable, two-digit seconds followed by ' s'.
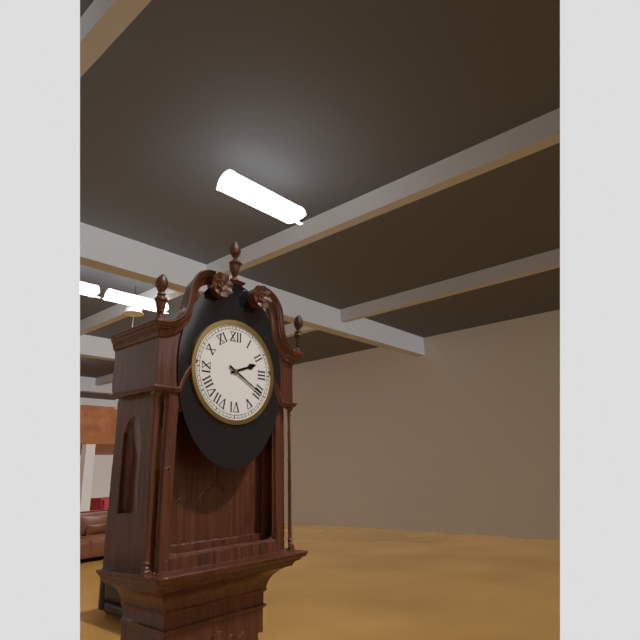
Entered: 2 h 20 min
